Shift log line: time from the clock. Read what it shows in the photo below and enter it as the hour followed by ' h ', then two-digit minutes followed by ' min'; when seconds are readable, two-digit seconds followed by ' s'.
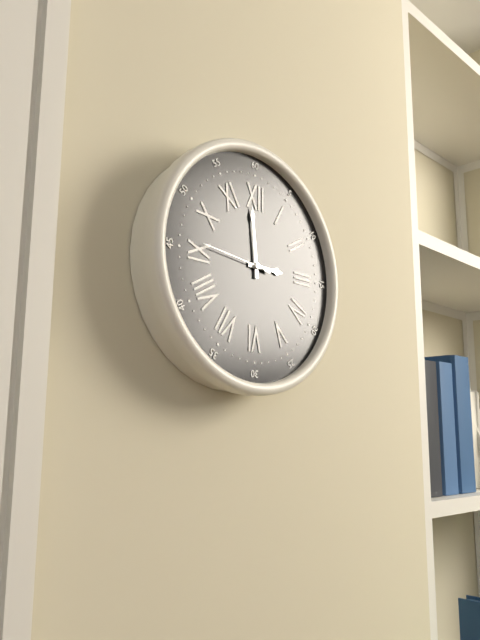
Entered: 2 h 59 min 46 s
